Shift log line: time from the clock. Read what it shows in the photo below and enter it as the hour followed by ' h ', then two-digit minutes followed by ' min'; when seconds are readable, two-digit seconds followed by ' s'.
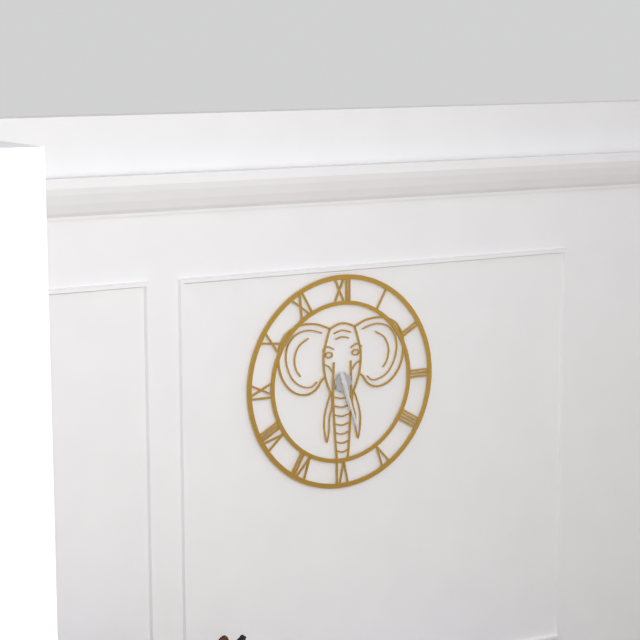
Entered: 5 h 27 min
